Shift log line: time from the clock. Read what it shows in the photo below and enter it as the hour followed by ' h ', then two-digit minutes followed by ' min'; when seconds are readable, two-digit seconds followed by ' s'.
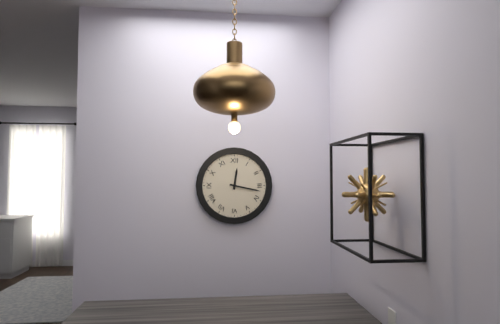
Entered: 12 h 17 min
